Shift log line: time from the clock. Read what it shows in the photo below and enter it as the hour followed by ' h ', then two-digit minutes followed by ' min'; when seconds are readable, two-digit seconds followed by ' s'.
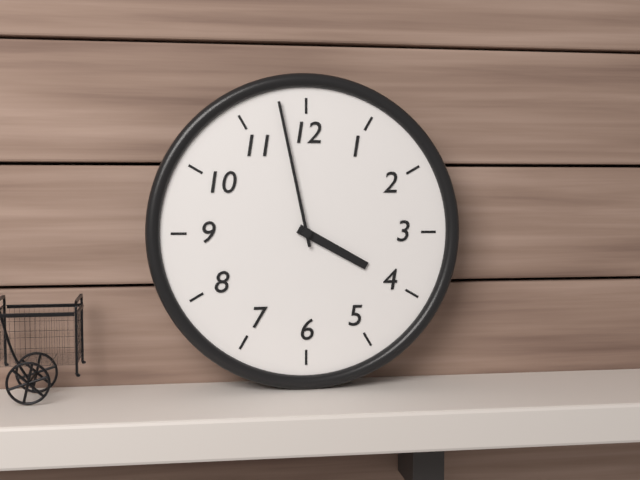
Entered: 3 h 58 min
